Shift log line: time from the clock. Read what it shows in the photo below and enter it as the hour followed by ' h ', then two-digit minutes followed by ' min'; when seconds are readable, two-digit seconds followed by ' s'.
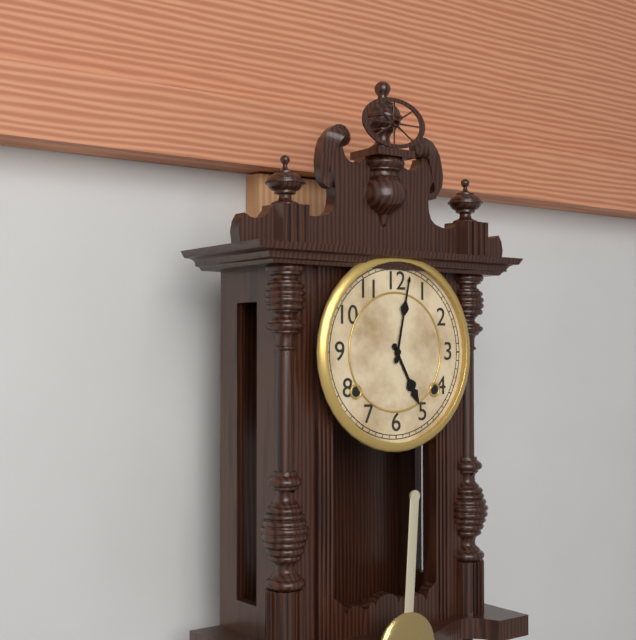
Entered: 5 h 02 min
